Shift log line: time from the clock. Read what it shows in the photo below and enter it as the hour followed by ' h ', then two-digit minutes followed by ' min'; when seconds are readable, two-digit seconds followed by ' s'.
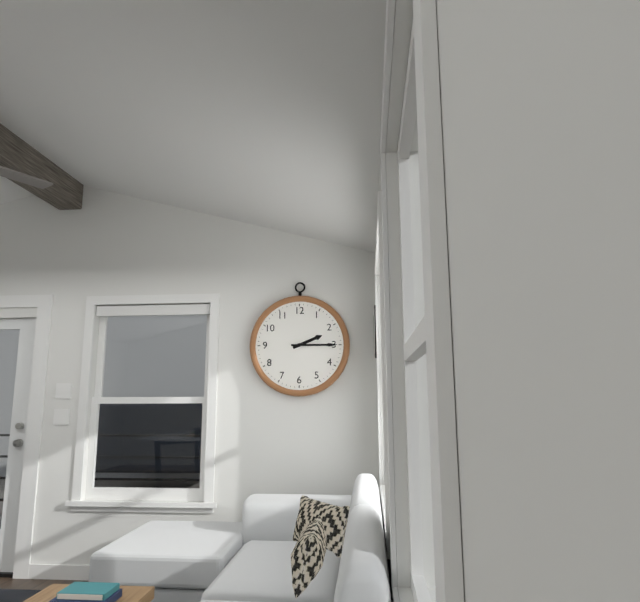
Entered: 2 h 15 min
